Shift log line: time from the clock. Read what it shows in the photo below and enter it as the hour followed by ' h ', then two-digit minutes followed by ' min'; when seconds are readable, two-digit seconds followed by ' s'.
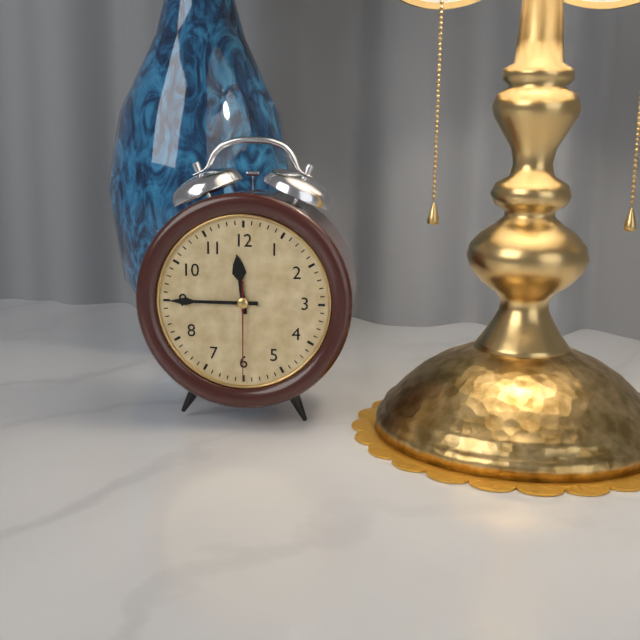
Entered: 11 h 45 min 30 s
